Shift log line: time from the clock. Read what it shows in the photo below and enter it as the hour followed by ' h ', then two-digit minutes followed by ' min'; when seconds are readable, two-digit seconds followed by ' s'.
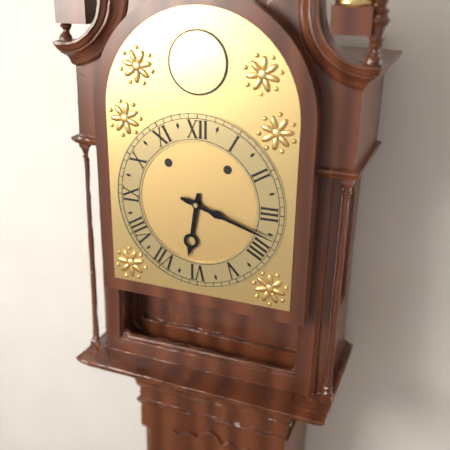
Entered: 6 h 18 min
